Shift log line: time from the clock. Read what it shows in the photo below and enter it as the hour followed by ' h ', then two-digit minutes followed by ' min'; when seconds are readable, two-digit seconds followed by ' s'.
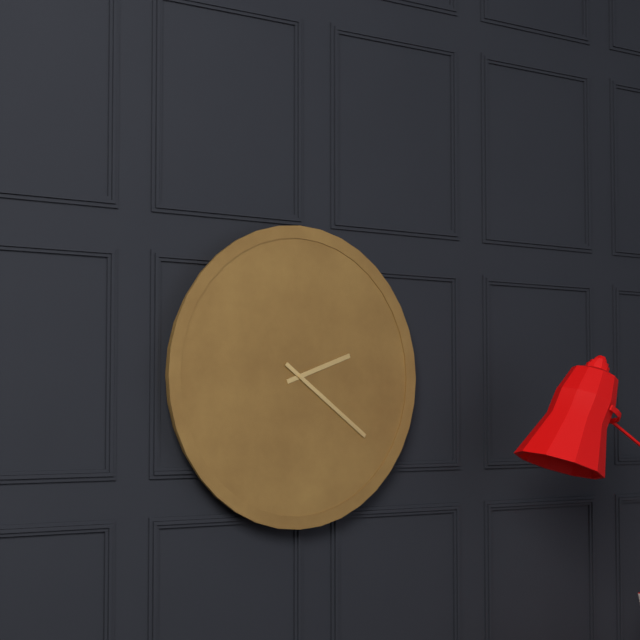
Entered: 2 h 21 min
